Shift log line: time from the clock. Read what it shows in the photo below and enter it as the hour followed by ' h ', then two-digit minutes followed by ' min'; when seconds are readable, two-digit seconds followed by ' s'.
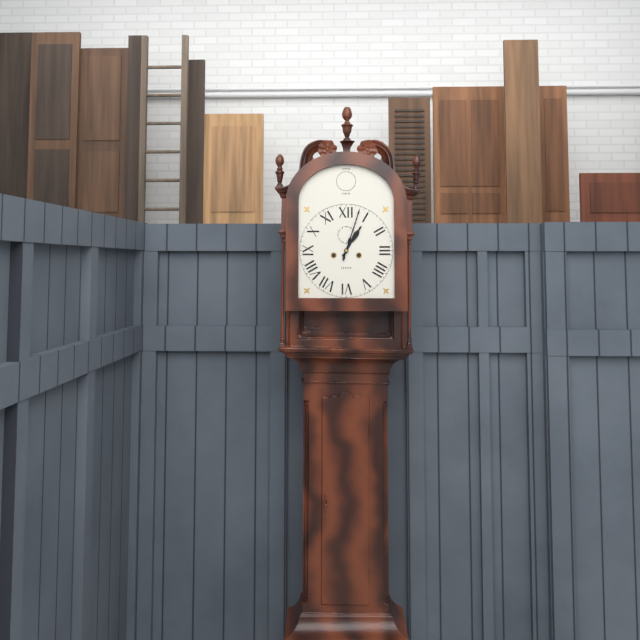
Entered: 1 h 03 min
